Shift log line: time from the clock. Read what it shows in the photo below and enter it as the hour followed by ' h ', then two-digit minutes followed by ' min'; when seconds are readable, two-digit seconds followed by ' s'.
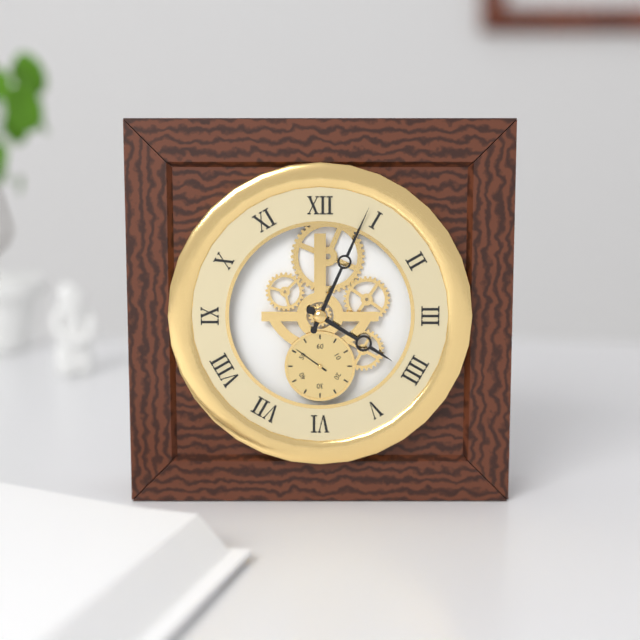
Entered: 4 h 04 min
